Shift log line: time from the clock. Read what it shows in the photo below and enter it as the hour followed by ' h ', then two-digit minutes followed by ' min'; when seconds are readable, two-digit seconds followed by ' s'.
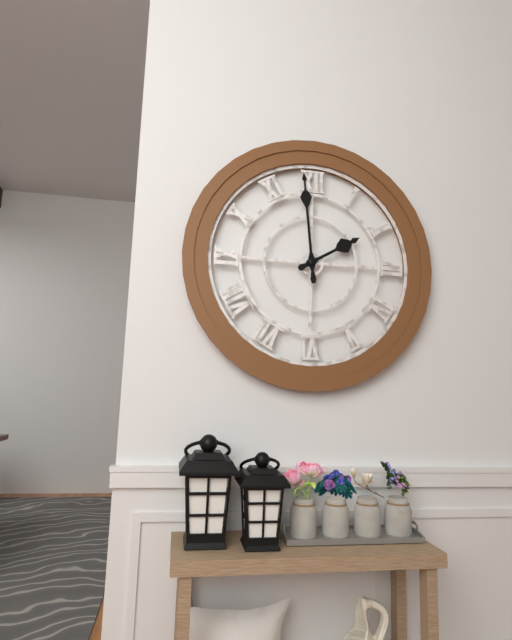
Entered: 1 h 59 min
